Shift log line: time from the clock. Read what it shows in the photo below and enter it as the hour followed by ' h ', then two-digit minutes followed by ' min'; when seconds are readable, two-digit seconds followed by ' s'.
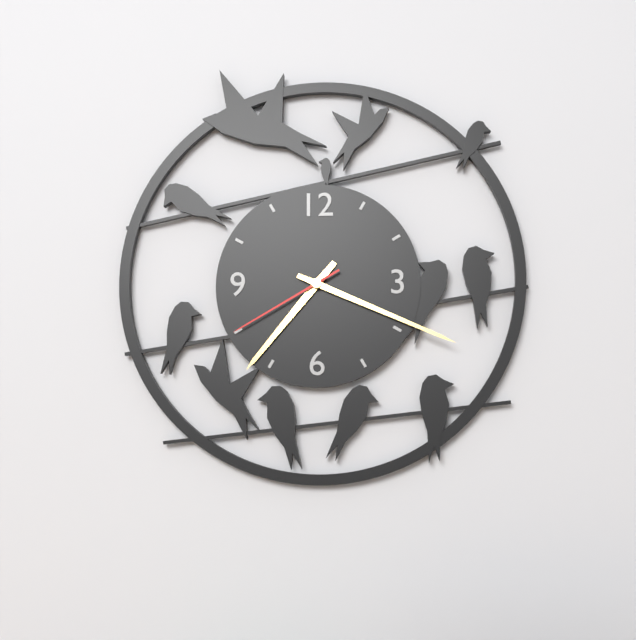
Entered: 7 h 19 min 40 s
